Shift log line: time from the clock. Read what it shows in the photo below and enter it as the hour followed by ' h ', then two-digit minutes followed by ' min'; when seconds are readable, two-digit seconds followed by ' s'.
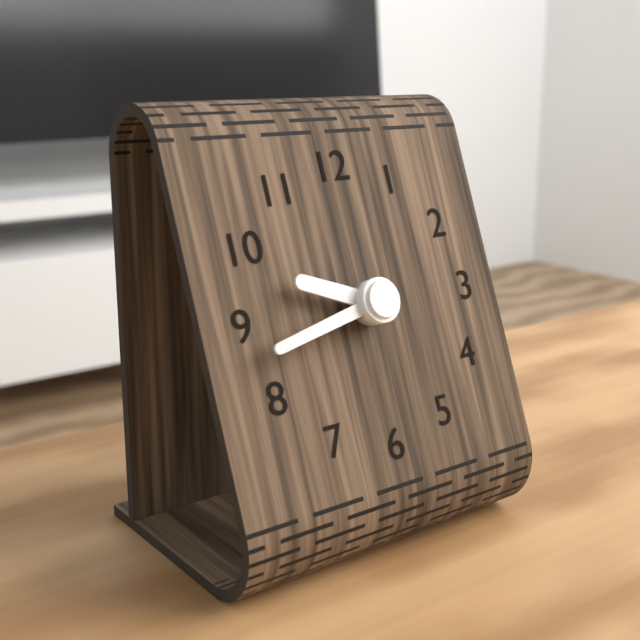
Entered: 9 h 43 min
